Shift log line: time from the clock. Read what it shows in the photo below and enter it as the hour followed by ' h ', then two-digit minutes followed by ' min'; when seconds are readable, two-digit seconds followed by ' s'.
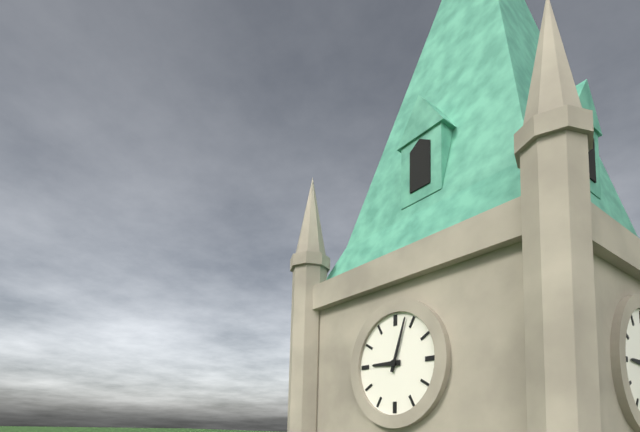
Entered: 9 h 03 min
